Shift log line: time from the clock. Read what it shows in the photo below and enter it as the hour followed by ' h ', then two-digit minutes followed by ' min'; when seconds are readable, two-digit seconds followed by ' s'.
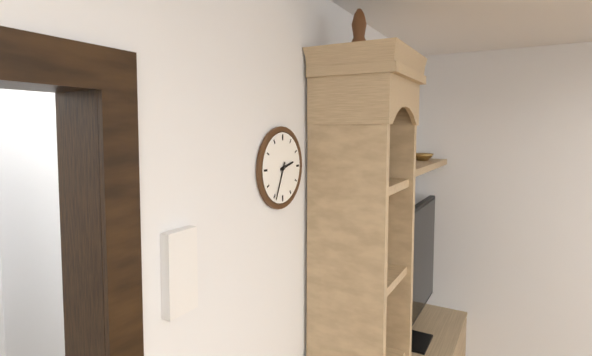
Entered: 2 h 34 min
